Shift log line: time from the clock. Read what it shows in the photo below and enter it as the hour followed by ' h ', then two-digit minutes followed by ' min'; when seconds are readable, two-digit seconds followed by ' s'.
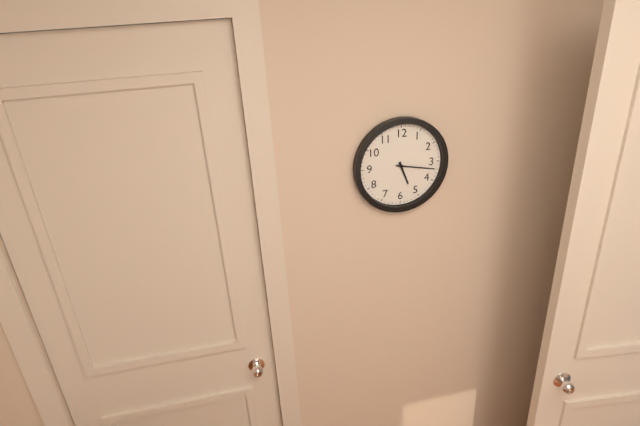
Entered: 5 h 17 min
